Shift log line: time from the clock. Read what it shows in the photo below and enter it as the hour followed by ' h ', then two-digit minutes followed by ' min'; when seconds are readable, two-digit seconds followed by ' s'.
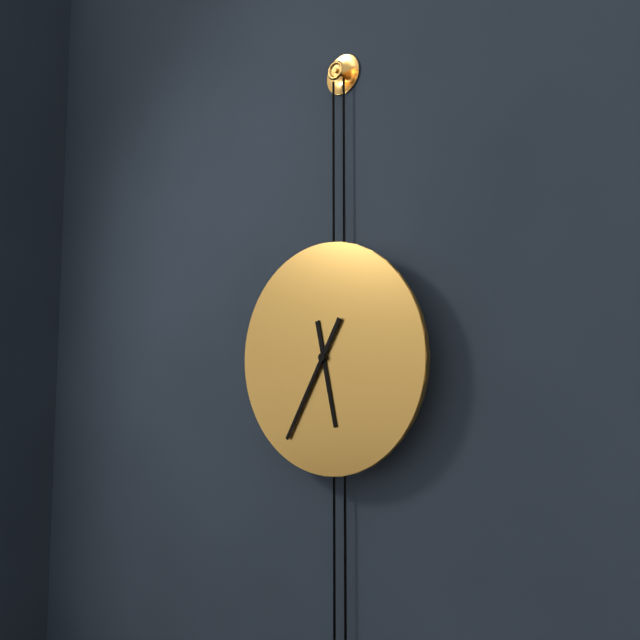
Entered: 5 h 35 min
